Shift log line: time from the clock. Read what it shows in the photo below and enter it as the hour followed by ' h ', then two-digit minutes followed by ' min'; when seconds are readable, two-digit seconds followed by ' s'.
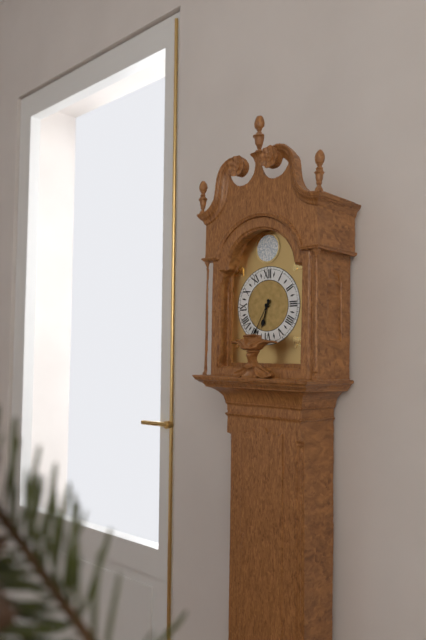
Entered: 6 h 35 min
